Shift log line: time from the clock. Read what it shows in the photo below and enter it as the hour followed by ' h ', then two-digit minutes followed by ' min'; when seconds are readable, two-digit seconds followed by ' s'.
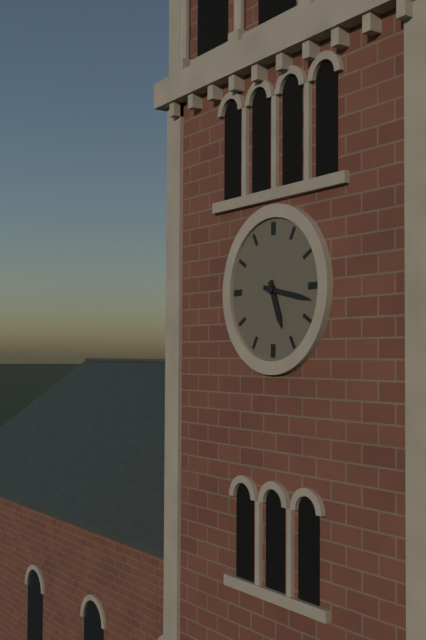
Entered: 5 h 17 min
